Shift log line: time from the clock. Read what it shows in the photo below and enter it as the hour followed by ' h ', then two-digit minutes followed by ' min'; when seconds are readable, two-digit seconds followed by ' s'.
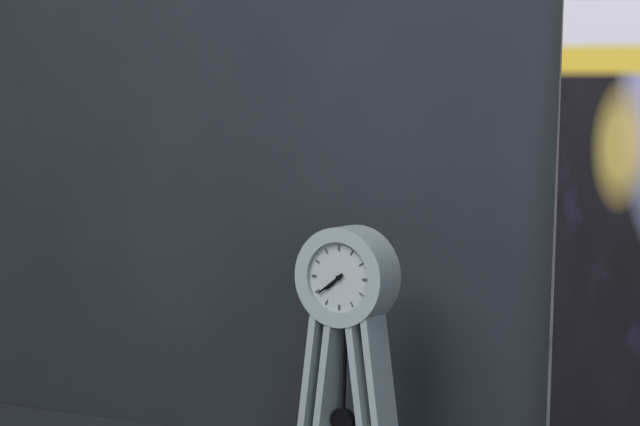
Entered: 7 h 39 min
